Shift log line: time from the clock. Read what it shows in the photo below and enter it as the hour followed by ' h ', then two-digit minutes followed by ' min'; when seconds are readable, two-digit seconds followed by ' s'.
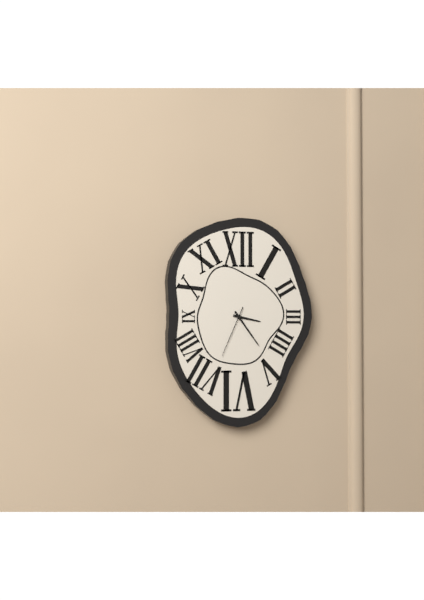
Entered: 3 h 24 min 34 s
